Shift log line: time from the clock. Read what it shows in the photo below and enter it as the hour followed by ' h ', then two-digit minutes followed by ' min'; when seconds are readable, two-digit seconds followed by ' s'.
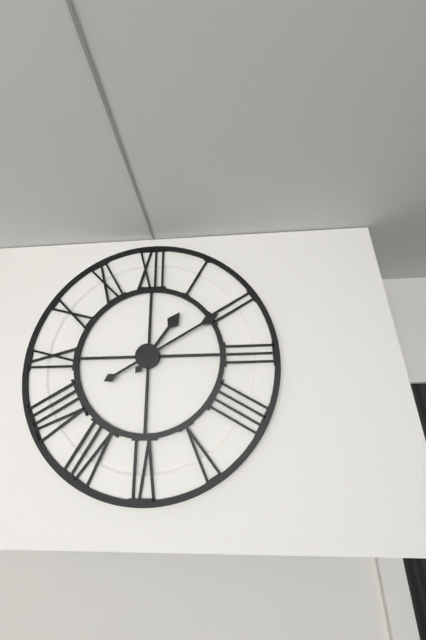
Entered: 1 h 10 min
